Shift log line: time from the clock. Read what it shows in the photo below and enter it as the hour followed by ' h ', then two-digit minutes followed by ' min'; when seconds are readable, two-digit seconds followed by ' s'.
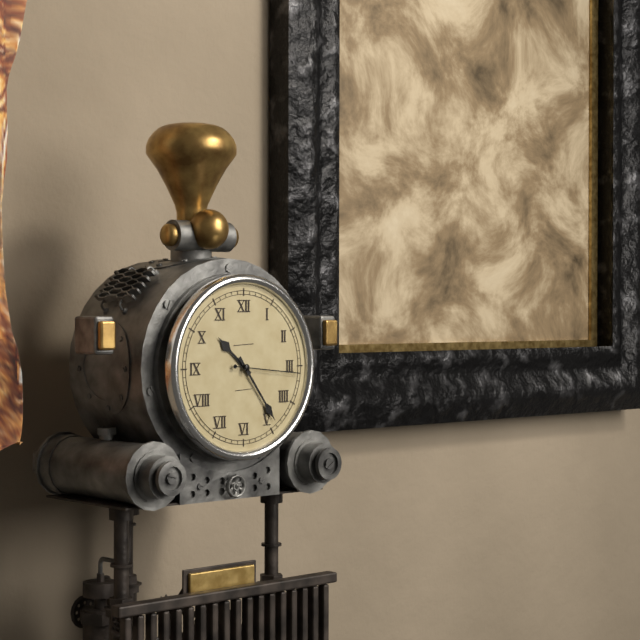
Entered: 10 h 24 min 16 s
